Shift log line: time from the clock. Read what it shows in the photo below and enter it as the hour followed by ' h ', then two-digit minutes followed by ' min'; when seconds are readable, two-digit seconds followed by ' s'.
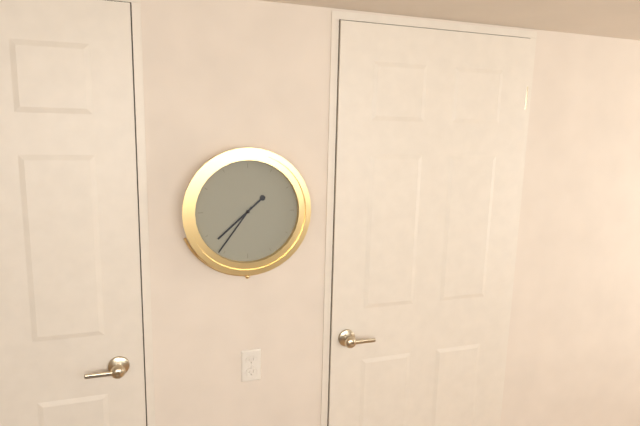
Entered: 7 h 36 min
